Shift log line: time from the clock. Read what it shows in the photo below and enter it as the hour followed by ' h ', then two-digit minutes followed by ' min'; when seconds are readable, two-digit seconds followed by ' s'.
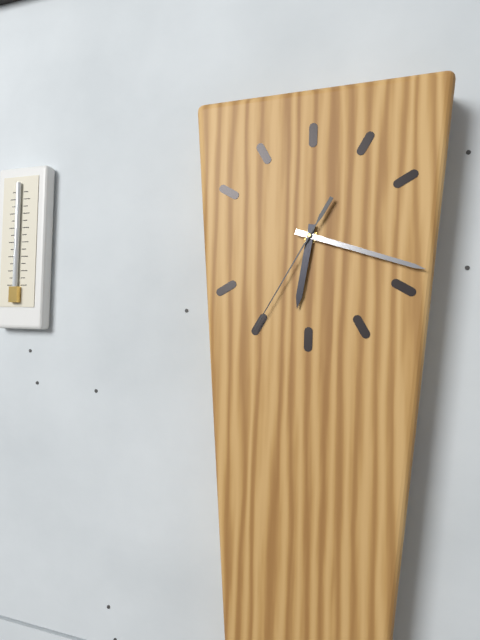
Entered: 6 h 18 min 35 s
